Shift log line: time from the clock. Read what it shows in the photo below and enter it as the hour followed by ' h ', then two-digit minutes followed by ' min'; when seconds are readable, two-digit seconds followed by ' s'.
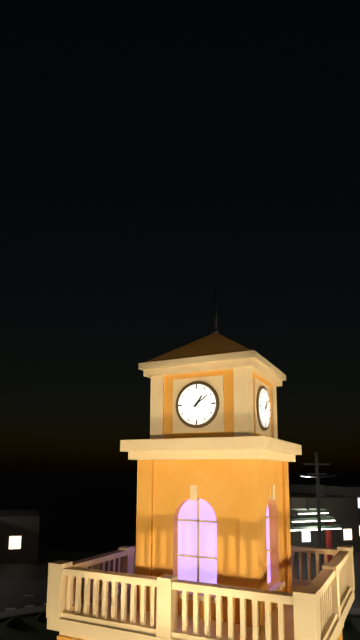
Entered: 1 h 09 min
